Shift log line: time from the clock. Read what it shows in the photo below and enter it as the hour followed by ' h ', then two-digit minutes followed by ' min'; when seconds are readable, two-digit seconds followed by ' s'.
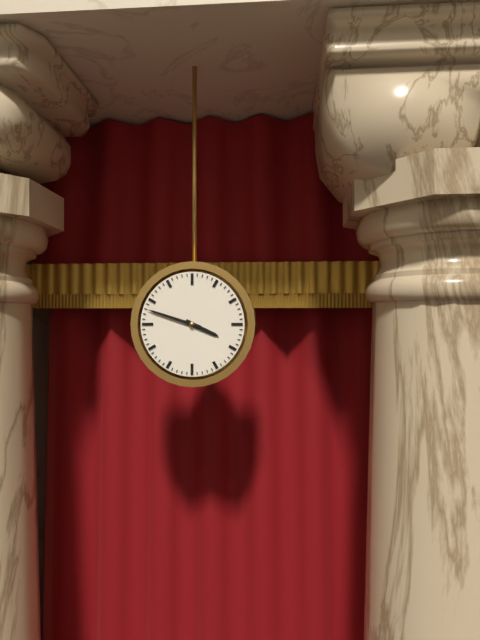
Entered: 3 h 48 min
